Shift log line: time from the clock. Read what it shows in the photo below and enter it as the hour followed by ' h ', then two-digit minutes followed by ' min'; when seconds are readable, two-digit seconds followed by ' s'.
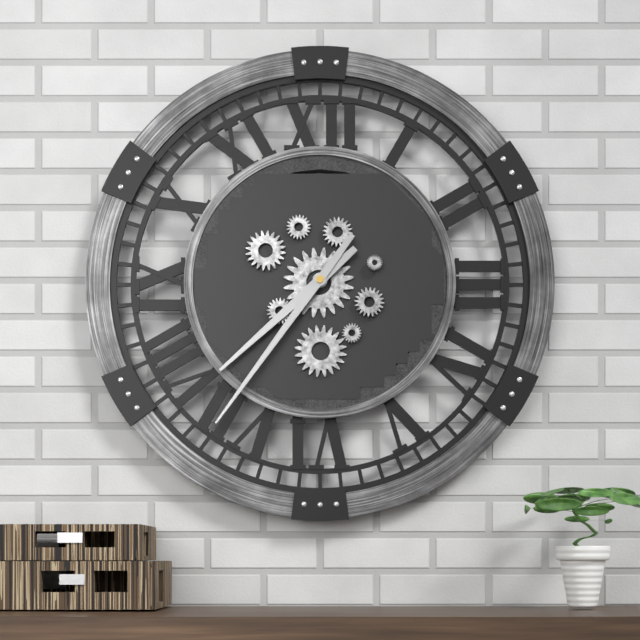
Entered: 7 h 36 min
